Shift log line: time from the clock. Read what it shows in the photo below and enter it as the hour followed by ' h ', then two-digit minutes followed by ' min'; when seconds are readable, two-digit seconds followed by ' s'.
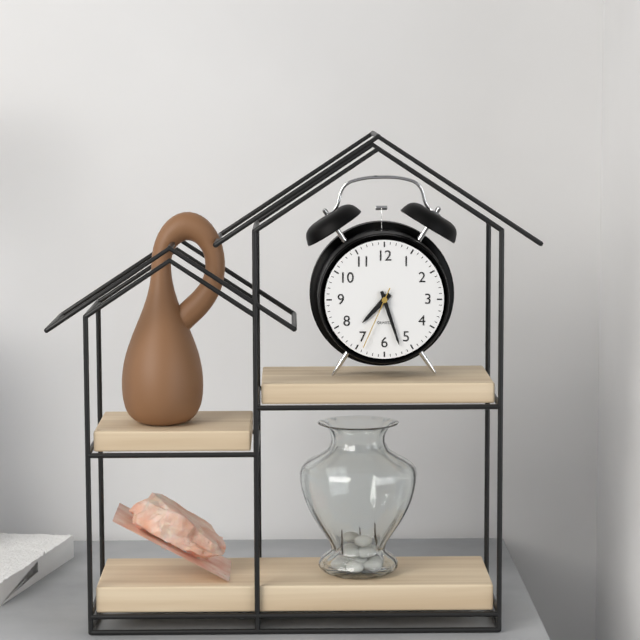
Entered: 7 h 27 min 34 s
